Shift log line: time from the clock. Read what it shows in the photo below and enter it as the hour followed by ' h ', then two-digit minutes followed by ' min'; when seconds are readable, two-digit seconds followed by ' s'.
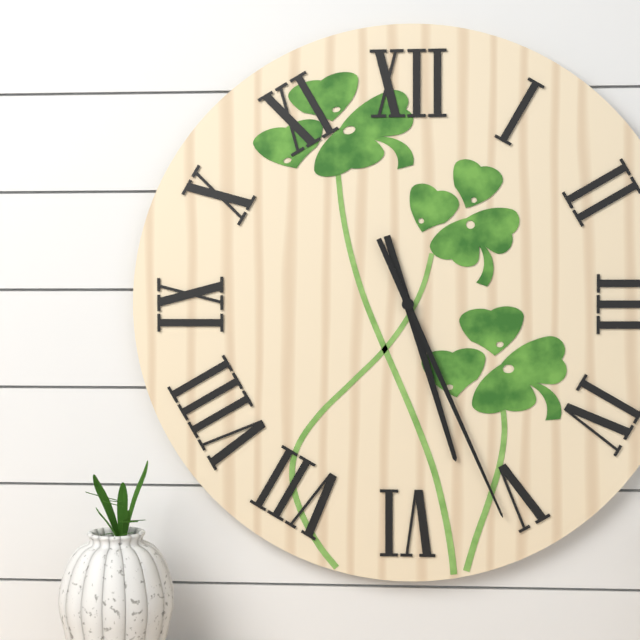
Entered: 5 h 26 min
